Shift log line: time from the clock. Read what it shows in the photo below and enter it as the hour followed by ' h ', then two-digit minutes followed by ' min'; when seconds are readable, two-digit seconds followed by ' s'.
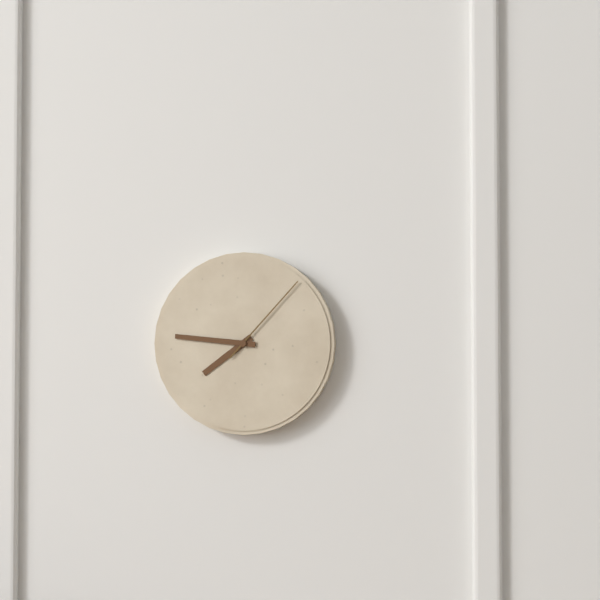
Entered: 7 h 46 min 07 s
